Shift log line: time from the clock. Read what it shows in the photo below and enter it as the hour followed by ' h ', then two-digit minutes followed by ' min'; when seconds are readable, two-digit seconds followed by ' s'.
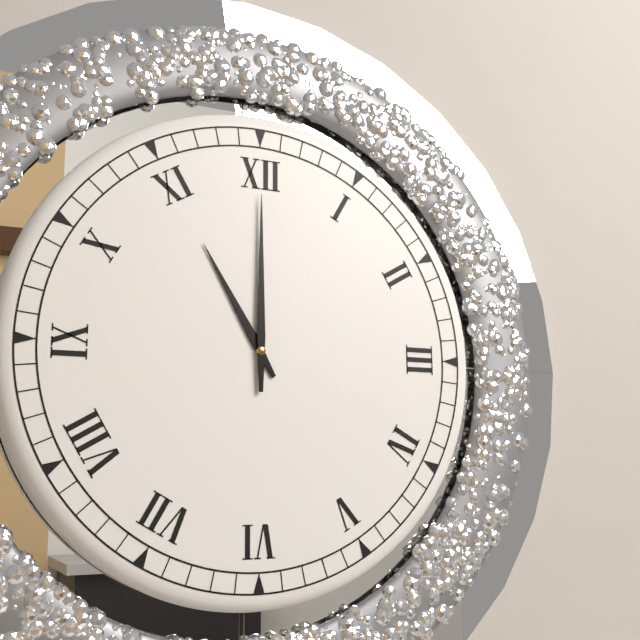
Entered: 11 h 00 min
